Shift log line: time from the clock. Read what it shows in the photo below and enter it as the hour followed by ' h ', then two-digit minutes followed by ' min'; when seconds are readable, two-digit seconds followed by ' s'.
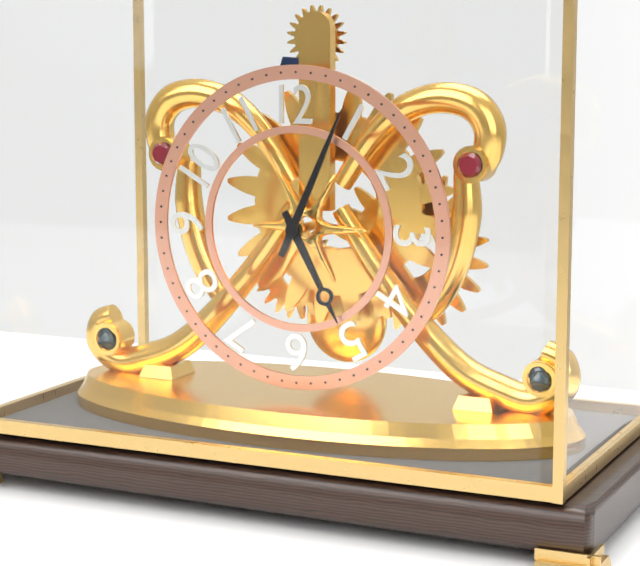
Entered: 5 h 04 min
